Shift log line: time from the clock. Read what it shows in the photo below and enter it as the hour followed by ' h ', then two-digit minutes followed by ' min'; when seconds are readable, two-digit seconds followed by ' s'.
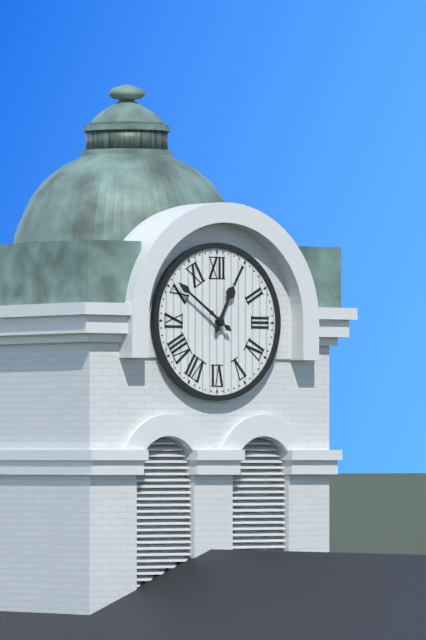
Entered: 12 h 51 min
